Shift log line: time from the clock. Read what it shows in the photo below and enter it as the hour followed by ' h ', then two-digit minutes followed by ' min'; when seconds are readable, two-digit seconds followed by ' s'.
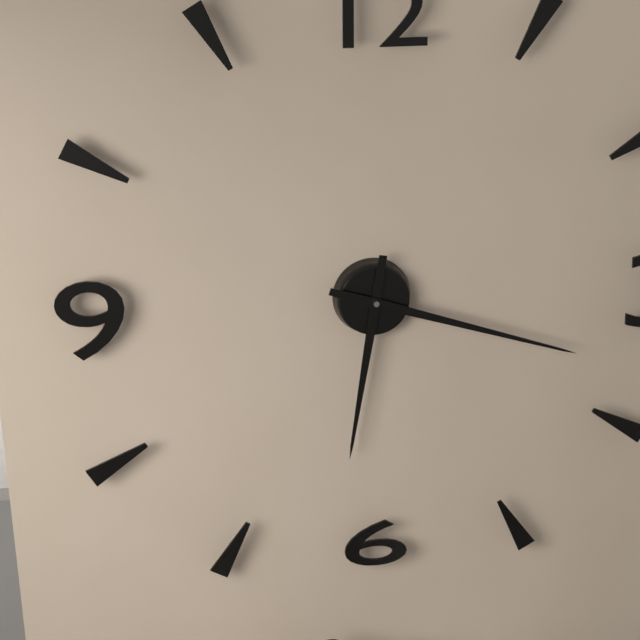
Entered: 6 h 18 min
